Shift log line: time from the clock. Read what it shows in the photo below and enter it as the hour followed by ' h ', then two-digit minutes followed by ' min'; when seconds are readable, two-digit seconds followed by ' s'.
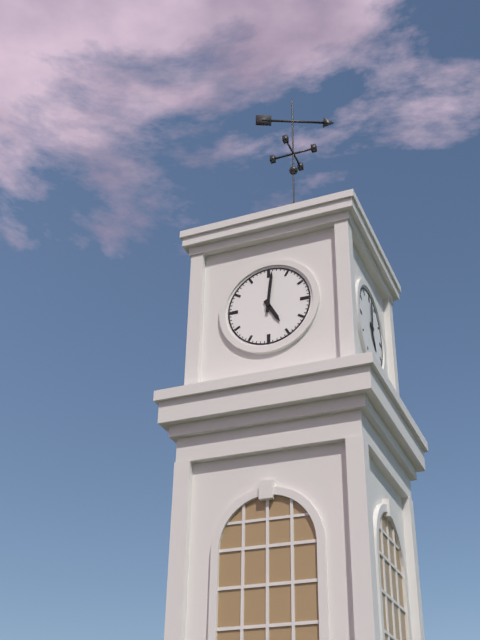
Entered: 5 h 01 min
